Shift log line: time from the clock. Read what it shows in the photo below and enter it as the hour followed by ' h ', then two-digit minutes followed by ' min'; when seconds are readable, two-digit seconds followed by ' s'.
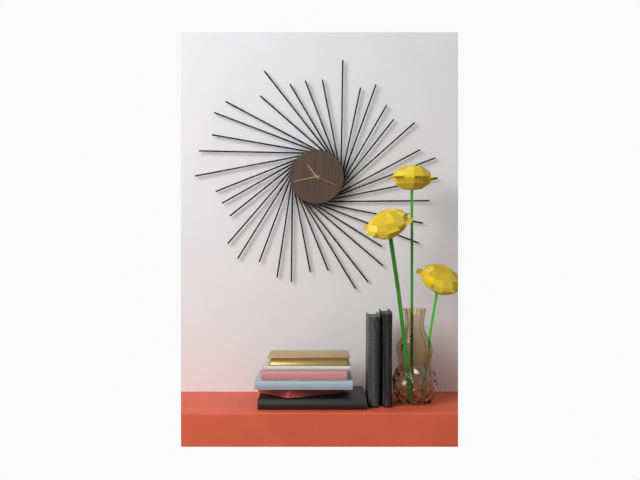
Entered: 10 h 43 min
